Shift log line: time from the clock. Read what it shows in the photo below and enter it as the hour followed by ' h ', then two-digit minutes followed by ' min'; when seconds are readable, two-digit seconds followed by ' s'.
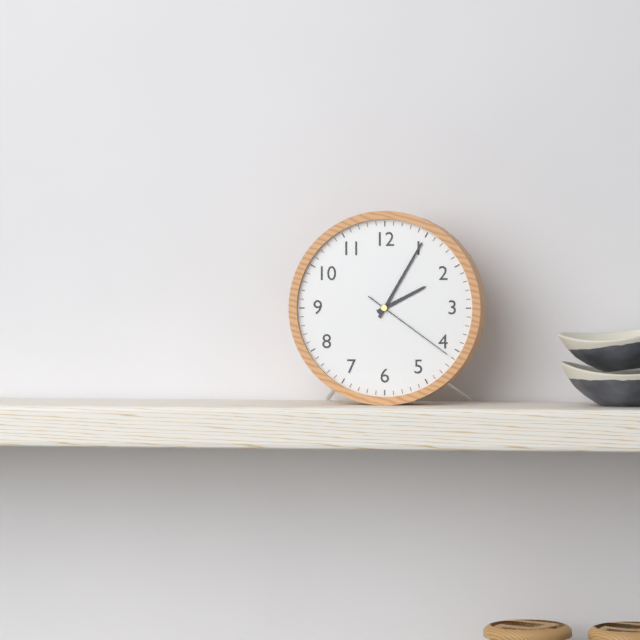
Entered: 2 h 05 min 21 s
